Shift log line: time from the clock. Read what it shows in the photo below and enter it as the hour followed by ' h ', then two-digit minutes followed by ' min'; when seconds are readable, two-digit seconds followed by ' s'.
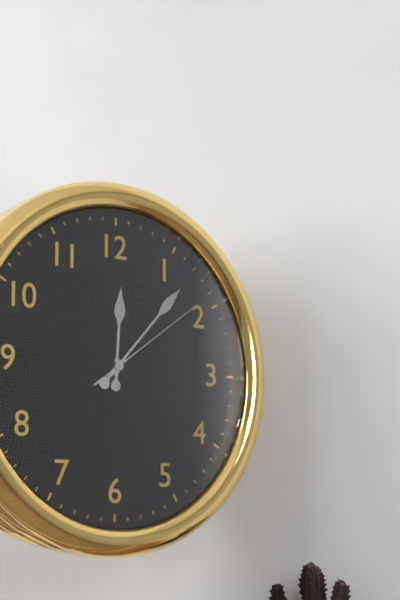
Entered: 12 h 07 min 09 s
